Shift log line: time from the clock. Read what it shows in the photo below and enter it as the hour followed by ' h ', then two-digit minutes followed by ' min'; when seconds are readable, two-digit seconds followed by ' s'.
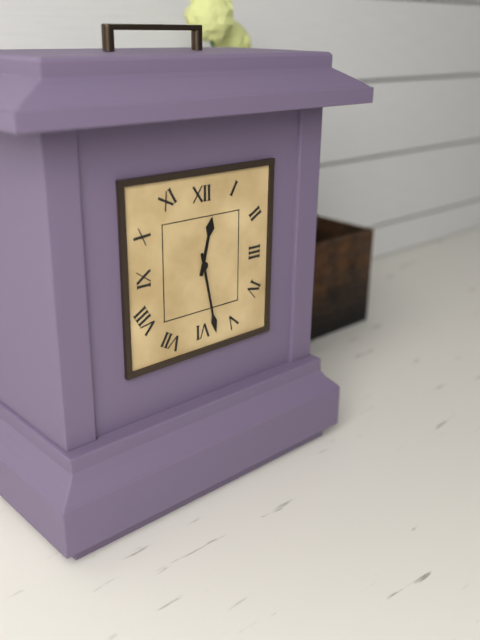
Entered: 12 h 28 min
